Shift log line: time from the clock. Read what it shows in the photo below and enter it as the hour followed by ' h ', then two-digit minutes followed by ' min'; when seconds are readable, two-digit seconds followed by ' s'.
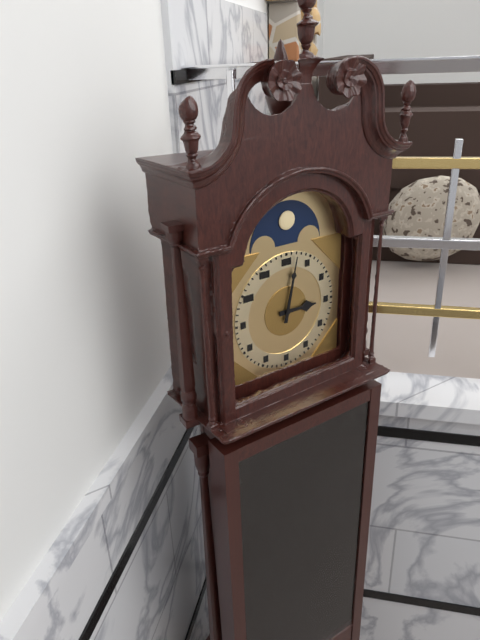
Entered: 3 h 02 min
